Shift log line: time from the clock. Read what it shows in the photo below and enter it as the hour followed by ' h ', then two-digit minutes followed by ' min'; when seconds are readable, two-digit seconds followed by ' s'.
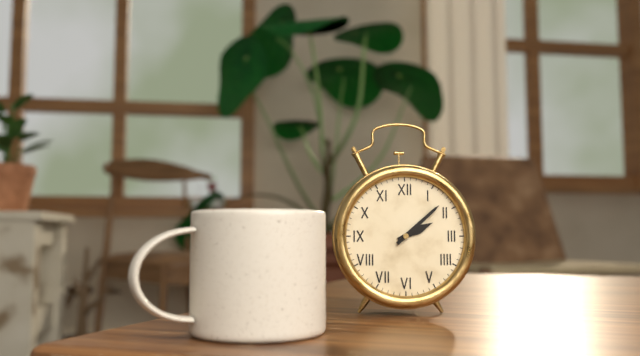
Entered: 2 h 08 min
